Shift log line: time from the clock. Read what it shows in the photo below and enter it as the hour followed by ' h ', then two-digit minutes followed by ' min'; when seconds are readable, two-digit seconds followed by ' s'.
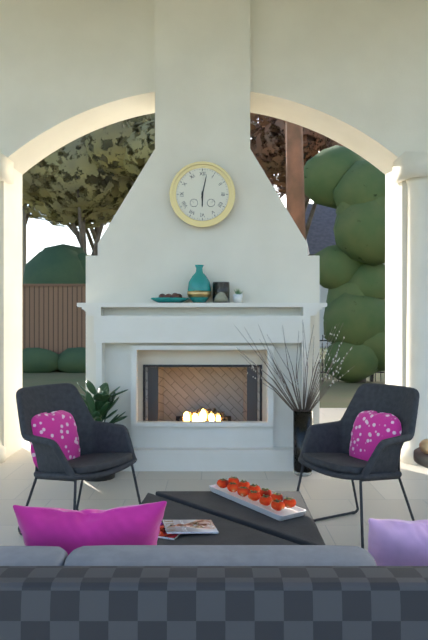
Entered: 6 h 02 min
